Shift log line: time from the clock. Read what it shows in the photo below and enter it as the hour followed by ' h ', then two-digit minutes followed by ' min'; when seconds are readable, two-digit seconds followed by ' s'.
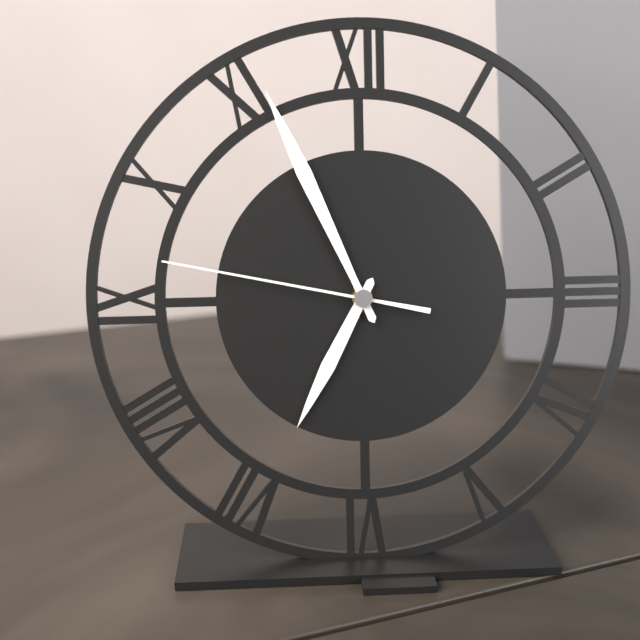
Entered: 6 h 56 min 47 s
